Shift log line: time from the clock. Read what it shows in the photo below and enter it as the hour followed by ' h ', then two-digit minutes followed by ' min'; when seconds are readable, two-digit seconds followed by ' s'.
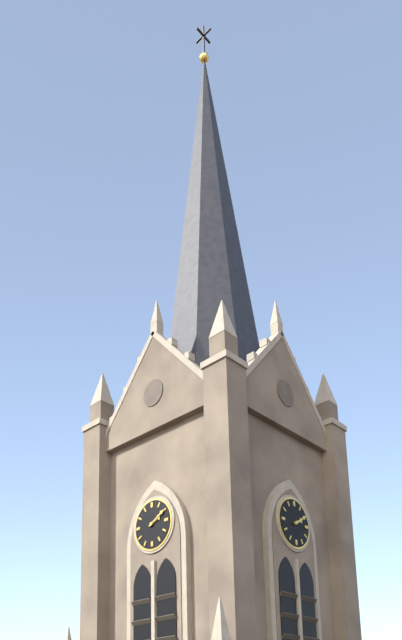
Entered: 2 h 10 min
